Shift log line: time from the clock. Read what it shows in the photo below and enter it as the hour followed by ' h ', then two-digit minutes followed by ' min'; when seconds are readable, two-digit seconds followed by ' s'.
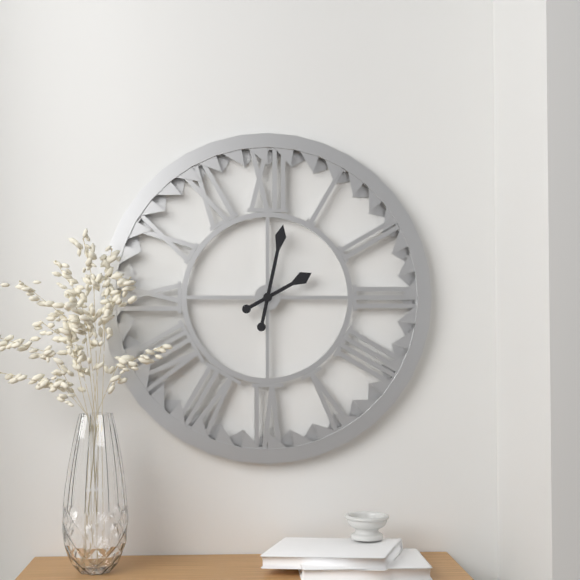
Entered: 2 h 02 min
